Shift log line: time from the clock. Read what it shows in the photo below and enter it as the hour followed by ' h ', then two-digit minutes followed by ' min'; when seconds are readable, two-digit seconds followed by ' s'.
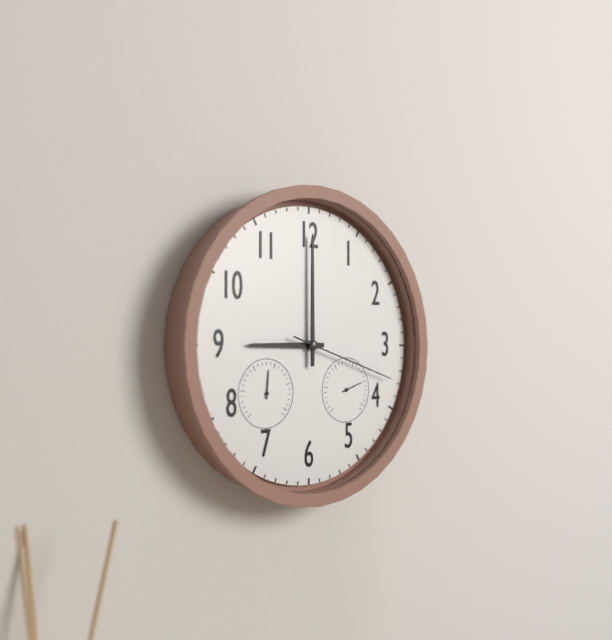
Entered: 9 h 00 min 18 s
